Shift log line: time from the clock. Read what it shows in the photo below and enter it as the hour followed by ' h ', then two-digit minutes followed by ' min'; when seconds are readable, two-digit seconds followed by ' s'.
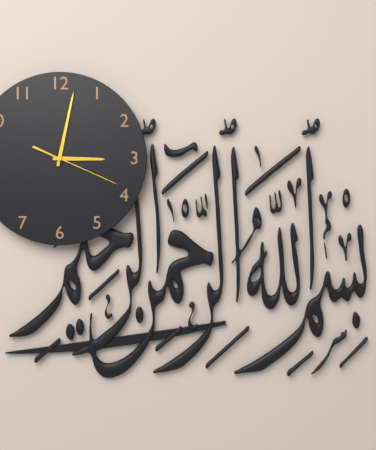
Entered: 3 h 02 min 19 s
